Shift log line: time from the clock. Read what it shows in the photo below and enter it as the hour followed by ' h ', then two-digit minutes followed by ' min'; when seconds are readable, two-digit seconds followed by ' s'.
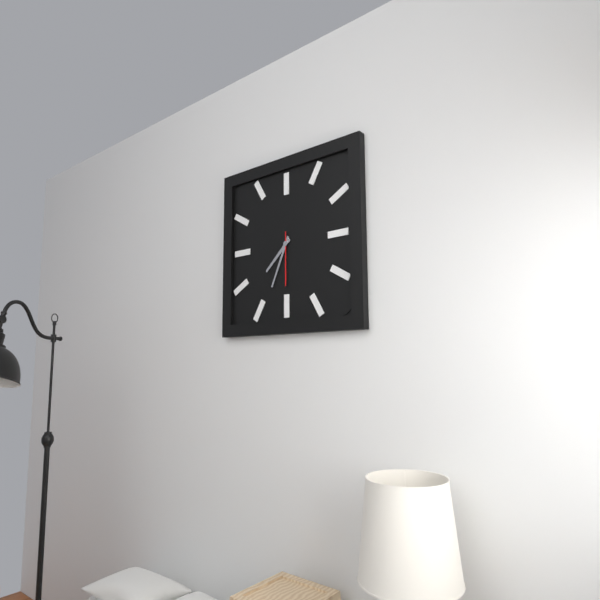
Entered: 7 h 34 min 30 s
